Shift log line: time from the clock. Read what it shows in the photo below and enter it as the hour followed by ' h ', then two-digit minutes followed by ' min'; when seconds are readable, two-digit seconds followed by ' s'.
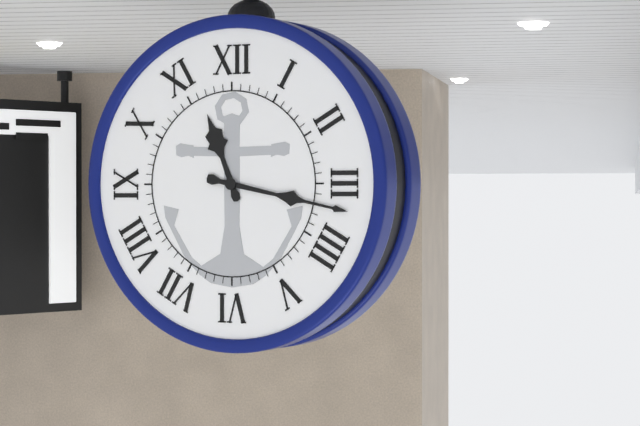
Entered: 11 h 17 min
